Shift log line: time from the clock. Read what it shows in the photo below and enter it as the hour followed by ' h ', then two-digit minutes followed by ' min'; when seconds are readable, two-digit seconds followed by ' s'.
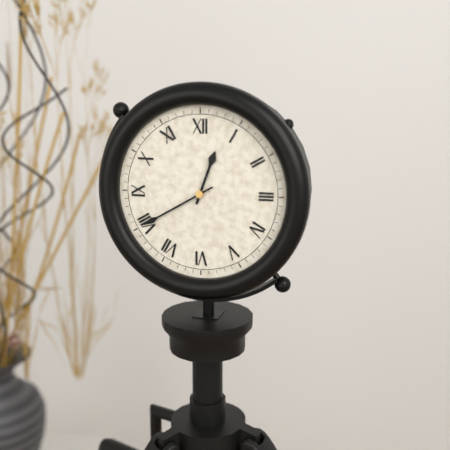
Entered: 12 h 40 min
